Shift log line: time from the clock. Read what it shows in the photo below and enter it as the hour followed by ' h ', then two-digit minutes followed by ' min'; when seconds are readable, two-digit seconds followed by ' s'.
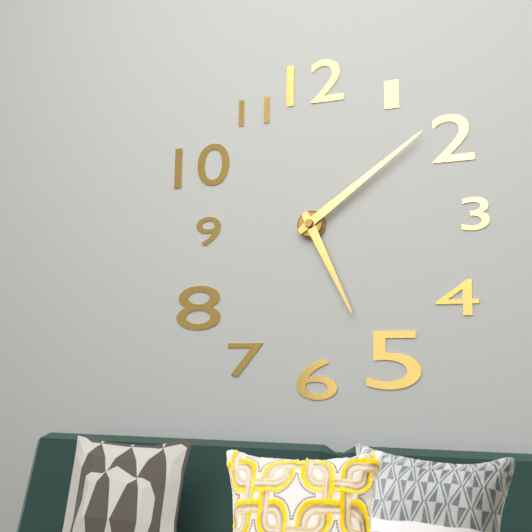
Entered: 5 h 09 min
